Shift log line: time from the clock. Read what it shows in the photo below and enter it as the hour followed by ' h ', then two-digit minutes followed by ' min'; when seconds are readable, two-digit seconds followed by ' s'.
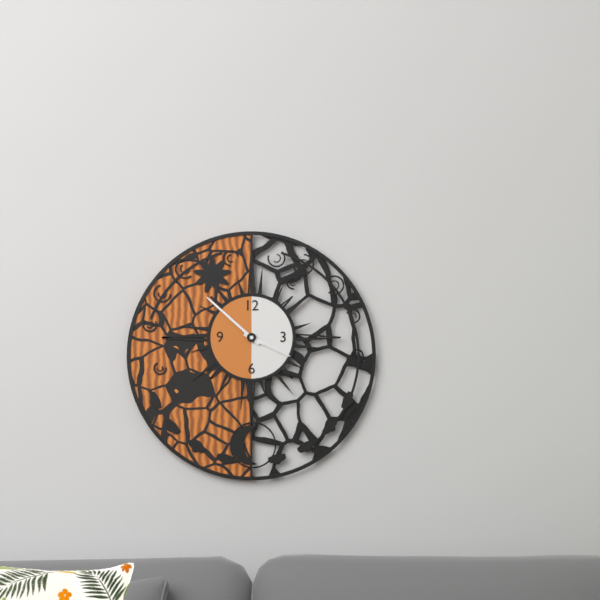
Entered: 3 h 52 min
